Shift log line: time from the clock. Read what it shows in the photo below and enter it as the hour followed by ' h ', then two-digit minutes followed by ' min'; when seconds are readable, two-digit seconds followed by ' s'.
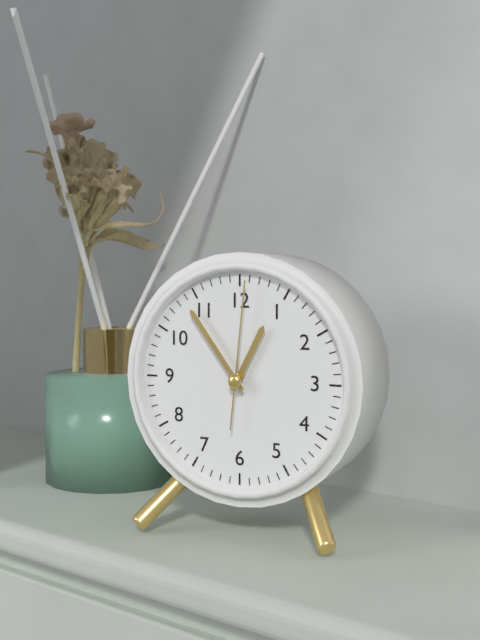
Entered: 12 h 54 min 01 s
